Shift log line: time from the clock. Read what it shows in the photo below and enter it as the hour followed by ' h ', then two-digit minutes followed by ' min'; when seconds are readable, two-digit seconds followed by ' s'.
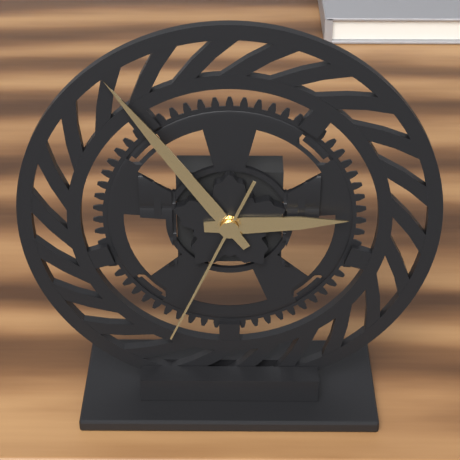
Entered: 2 h 54 min 34 s
